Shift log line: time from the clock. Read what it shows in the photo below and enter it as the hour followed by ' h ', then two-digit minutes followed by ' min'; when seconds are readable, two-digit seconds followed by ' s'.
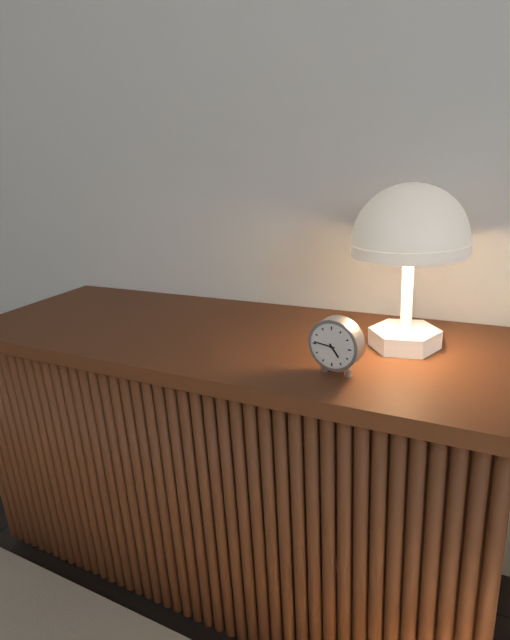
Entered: 4 h 46 min
